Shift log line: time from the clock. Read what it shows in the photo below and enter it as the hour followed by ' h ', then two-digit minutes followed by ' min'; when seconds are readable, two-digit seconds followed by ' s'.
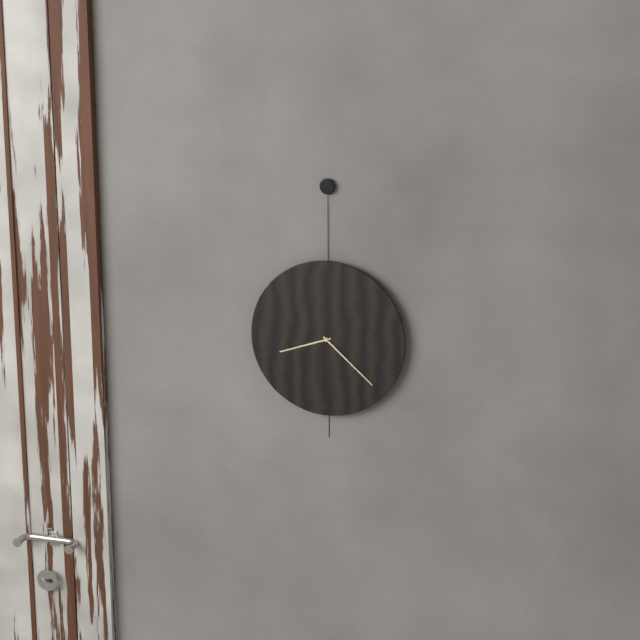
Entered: 8 h 22 min
